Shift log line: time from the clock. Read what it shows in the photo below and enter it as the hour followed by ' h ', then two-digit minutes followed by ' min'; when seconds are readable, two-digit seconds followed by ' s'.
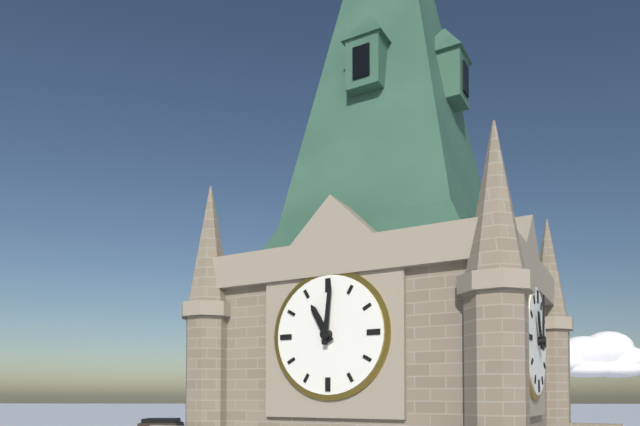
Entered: 11 h 01 min
